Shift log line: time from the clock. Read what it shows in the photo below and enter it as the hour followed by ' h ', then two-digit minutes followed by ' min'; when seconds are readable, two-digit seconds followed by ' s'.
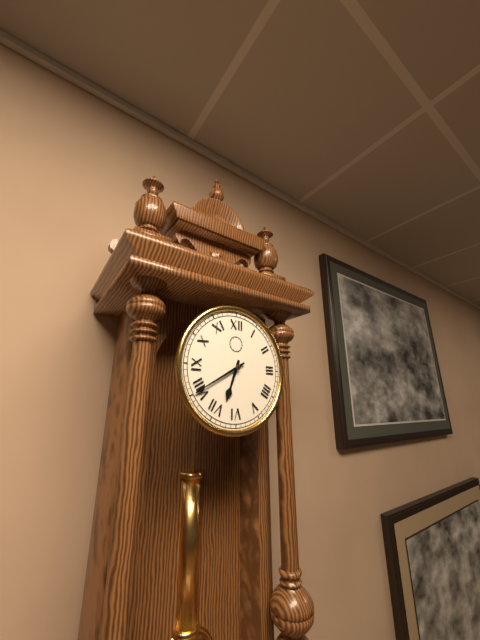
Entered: 6 h 40 min
